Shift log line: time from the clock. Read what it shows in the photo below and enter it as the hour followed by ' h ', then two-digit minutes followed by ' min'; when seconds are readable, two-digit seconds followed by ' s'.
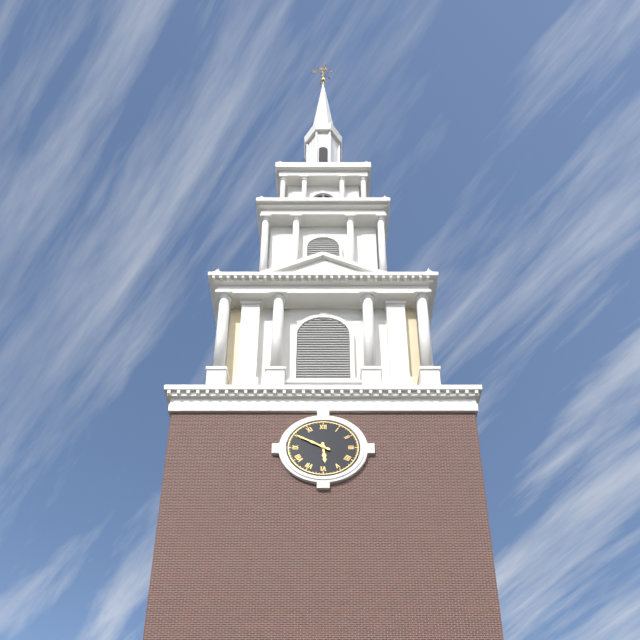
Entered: 5 h 50 min
